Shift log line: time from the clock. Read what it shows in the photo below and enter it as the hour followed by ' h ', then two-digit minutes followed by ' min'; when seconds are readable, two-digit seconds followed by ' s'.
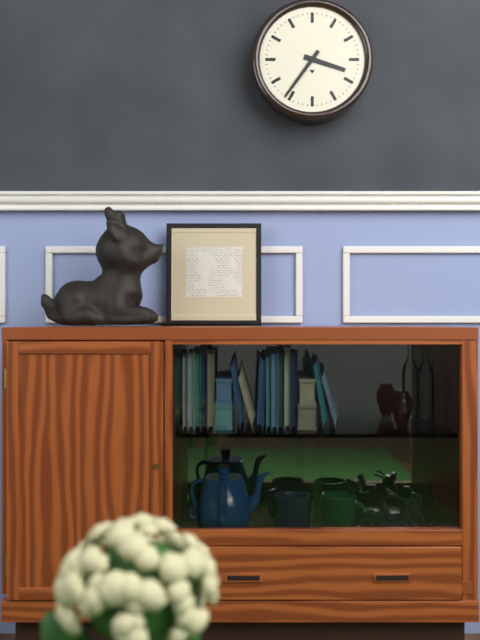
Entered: 3 h 36 min
